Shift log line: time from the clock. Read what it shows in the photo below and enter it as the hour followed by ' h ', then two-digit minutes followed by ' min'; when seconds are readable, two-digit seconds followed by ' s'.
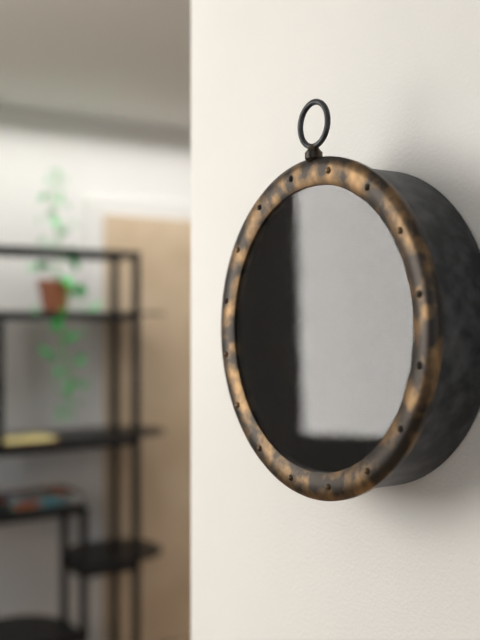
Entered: 10 h 29 min
